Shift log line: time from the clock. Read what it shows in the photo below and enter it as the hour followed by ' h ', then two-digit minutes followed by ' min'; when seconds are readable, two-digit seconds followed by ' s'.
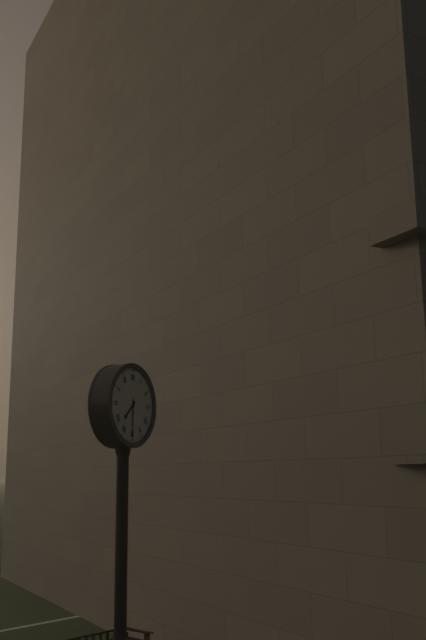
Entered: 7 h 30 min
